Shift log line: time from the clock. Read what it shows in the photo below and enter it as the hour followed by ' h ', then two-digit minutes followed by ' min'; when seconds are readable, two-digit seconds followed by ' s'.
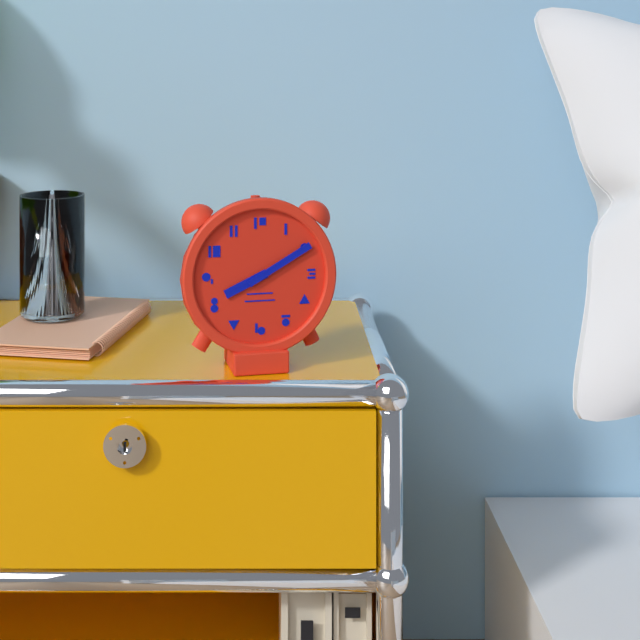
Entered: 8 h 10 min
